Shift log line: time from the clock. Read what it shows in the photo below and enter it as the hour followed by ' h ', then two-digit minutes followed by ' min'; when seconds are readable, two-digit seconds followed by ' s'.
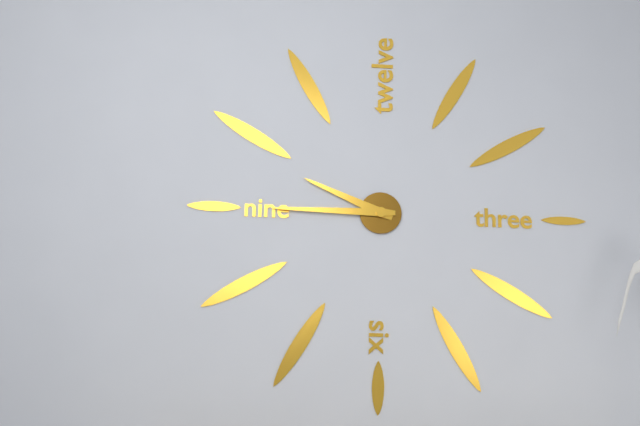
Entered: 9 h 45 min
